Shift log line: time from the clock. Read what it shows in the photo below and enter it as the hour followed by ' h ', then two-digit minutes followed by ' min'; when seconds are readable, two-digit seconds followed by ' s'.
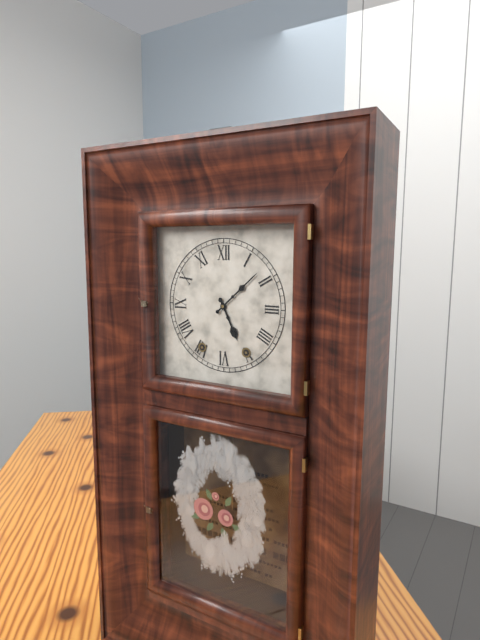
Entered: 5 h 08 min
